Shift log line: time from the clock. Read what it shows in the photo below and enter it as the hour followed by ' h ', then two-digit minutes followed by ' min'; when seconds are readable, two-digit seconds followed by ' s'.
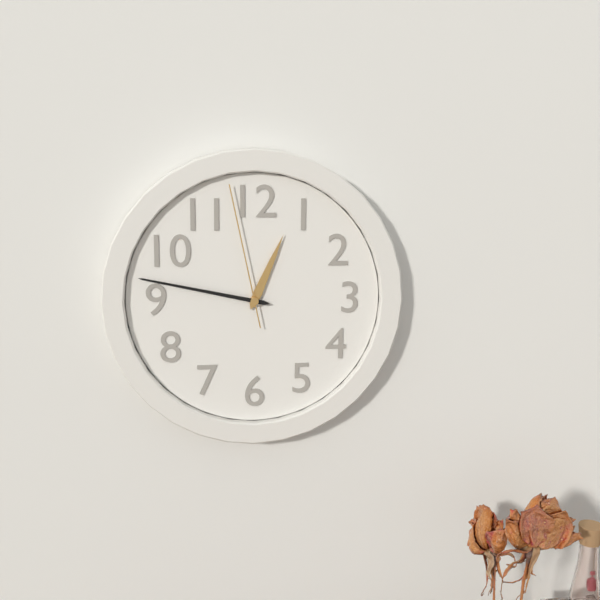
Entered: 12 h 47 min 58 s
